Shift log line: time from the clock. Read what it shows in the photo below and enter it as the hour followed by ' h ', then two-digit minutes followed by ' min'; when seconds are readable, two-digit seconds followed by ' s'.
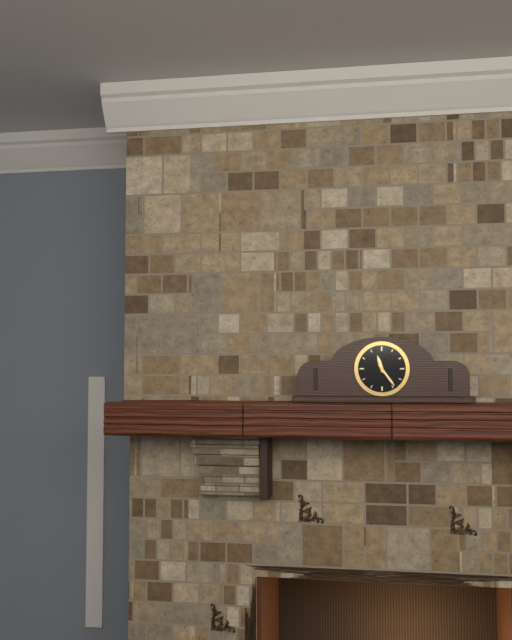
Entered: 11 h 24 min
